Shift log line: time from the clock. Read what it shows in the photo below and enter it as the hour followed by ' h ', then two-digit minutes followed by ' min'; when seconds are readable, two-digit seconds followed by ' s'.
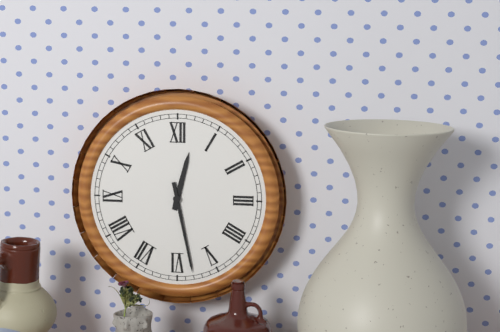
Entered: 12 h 28 min
